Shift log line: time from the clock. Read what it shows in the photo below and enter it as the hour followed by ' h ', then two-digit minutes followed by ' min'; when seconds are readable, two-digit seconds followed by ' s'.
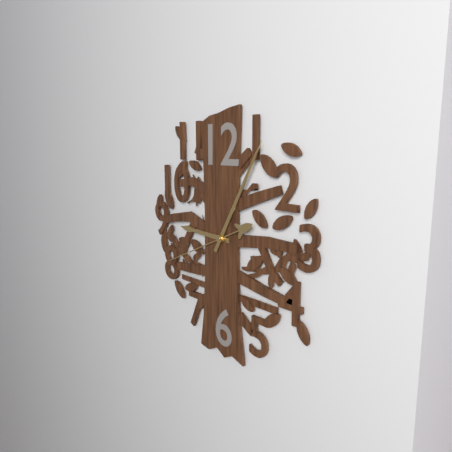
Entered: 9 h 05 min 41 s
